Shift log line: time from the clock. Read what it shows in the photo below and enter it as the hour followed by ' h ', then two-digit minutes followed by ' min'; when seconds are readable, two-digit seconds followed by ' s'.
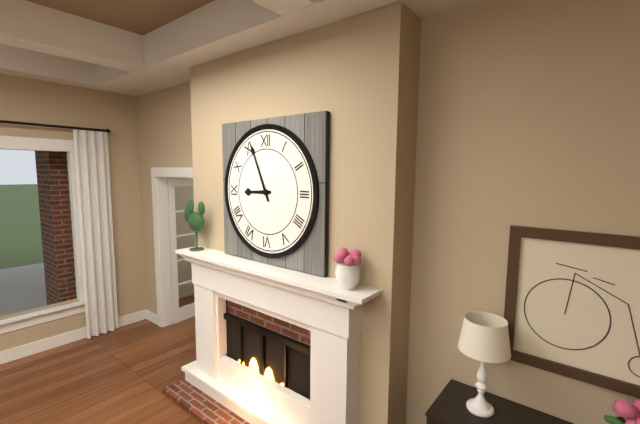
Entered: 8 h 56 min
